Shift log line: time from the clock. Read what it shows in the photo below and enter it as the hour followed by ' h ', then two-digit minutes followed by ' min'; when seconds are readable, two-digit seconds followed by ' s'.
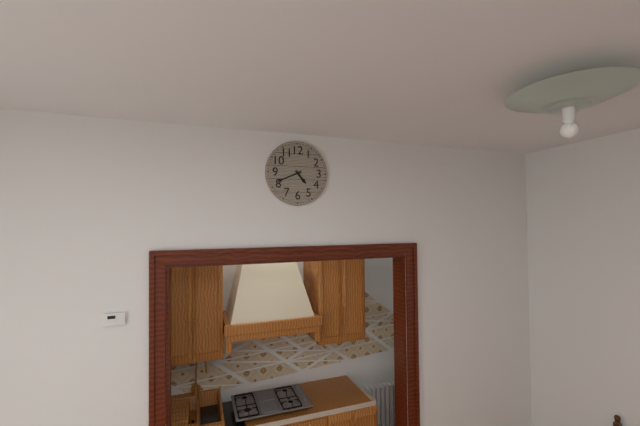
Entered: 4 h 41 min
